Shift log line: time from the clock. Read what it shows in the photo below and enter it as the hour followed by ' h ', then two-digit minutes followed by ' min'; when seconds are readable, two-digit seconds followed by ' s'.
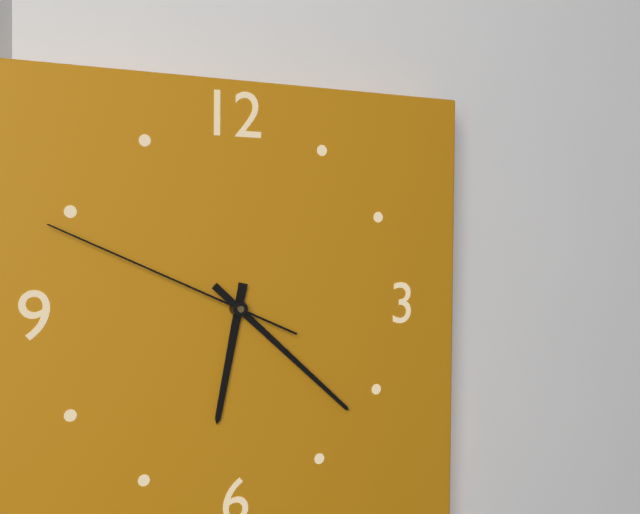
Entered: 6 h 22 min 49 s
